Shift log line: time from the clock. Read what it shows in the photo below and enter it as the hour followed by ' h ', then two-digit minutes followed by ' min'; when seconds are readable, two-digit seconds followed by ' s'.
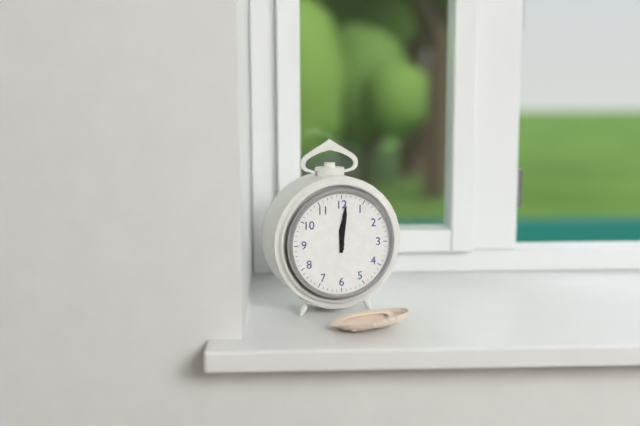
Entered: 12 h 01 min
